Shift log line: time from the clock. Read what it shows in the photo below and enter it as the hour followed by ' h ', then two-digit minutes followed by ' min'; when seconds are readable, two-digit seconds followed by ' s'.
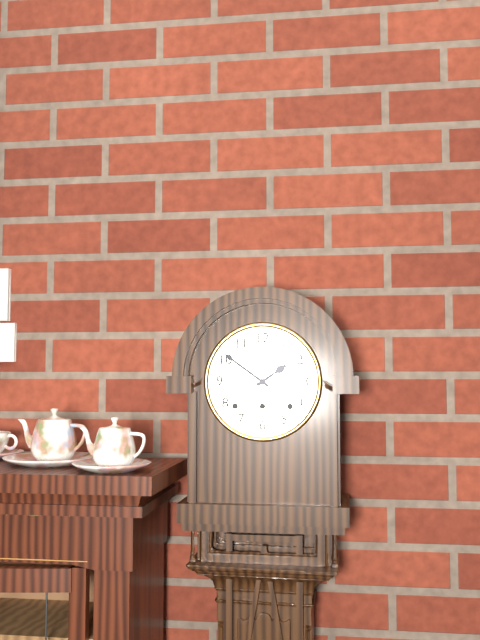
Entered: 1 h 51 min
